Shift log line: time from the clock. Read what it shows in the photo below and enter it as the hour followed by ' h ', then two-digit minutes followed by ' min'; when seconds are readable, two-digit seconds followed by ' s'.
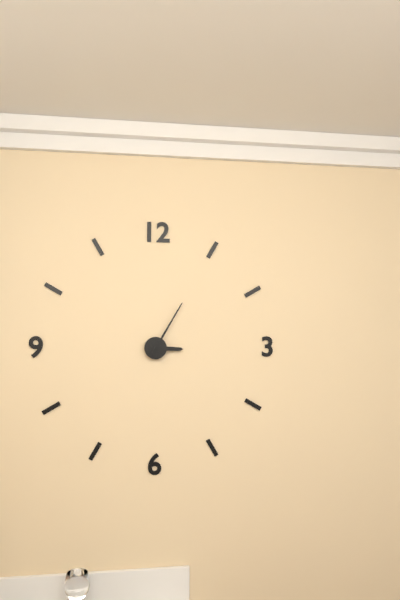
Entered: 3 h 05 min
